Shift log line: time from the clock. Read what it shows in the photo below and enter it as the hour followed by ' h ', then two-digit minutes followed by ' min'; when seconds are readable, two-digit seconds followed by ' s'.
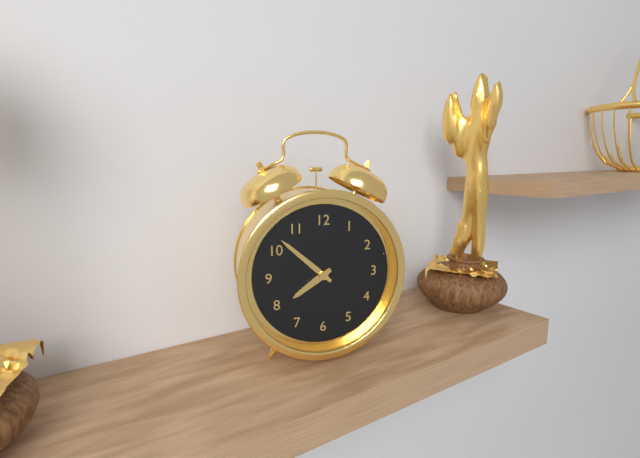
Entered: 7 h 52 min
